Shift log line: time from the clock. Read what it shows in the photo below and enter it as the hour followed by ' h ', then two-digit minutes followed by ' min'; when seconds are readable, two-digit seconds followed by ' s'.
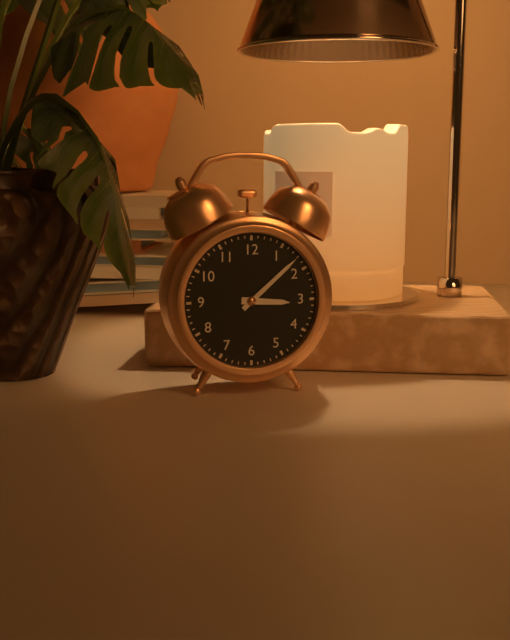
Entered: 3 h 08 min
